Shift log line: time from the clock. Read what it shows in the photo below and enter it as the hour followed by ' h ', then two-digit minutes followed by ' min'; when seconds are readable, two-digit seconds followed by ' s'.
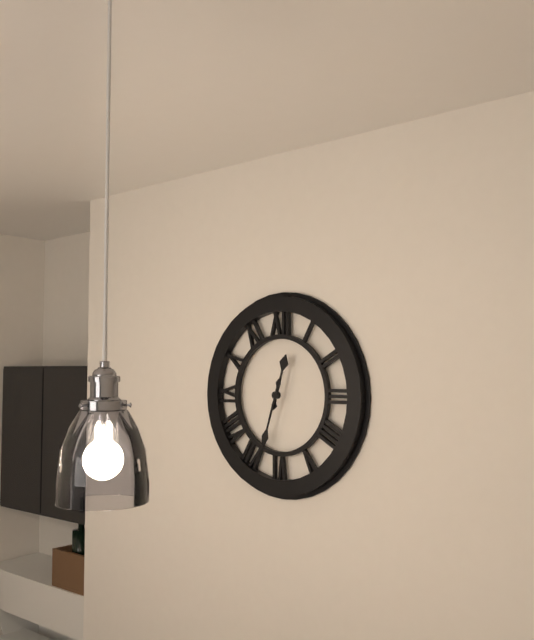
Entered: 12 h 33 min
